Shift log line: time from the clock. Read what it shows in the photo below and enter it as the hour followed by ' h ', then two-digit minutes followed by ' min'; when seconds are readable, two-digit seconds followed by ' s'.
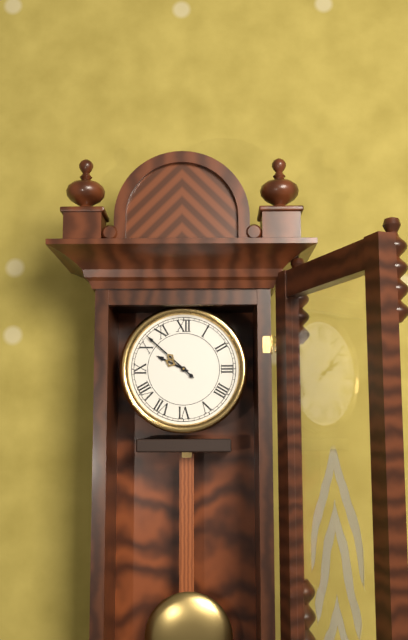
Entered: 9 h 52 min
